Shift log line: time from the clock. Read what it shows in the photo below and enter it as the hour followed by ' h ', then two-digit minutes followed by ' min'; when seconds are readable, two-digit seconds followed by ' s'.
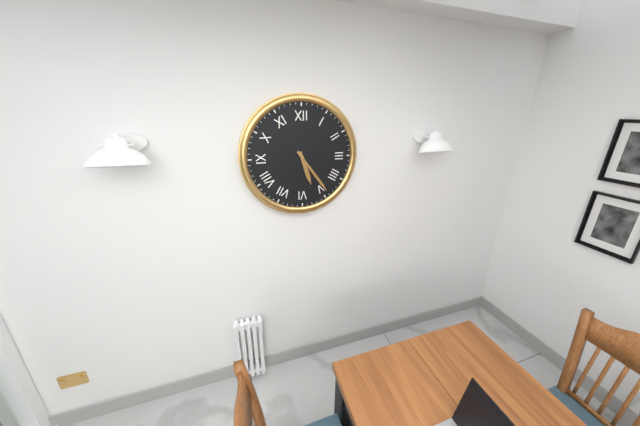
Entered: 5 h 24 min
